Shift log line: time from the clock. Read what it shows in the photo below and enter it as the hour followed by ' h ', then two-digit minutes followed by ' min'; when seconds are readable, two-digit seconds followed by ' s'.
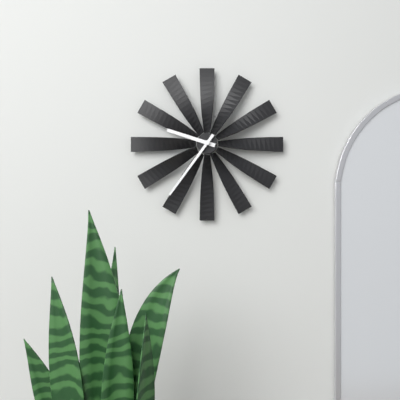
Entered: 9 h 36 min
